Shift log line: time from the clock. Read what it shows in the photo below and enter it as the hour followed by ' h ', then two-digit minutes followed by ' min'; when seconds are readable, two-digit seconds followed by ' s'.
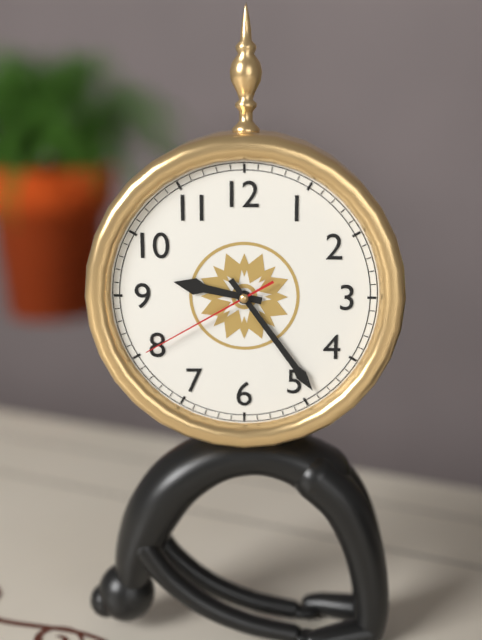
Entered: 9 h 24 min 40 s
